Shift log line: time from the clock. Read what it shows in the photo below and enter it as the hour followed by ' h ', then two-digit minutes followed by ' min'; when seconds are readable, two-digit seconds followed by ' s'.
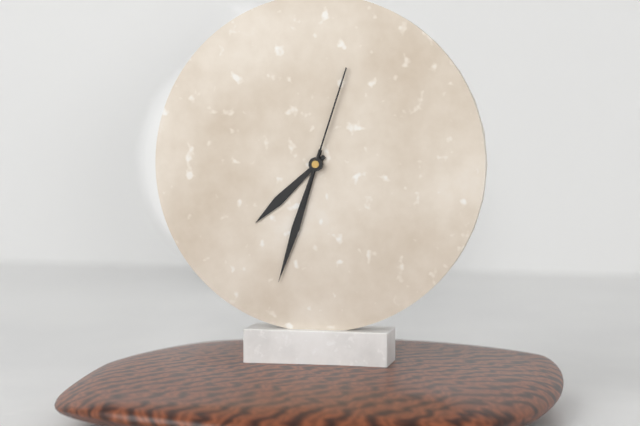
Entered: 7 h 33 min 03 s
